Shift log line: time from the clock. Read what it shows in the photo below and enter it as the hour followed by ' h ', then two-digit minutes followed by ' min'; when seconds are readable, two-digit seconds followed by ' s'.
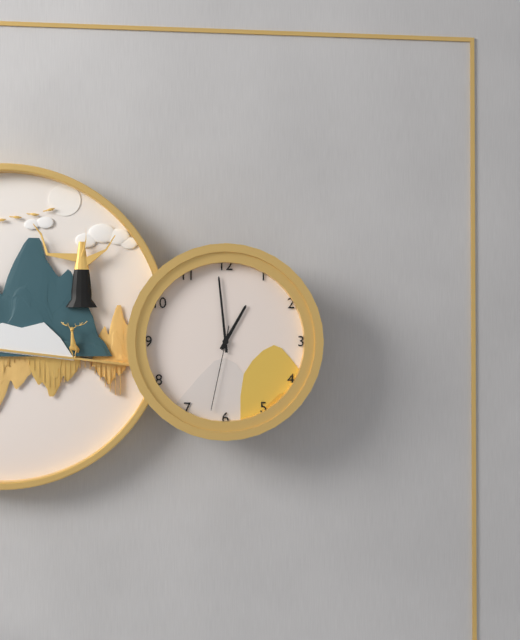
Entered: 12 h 59 min 32 s
